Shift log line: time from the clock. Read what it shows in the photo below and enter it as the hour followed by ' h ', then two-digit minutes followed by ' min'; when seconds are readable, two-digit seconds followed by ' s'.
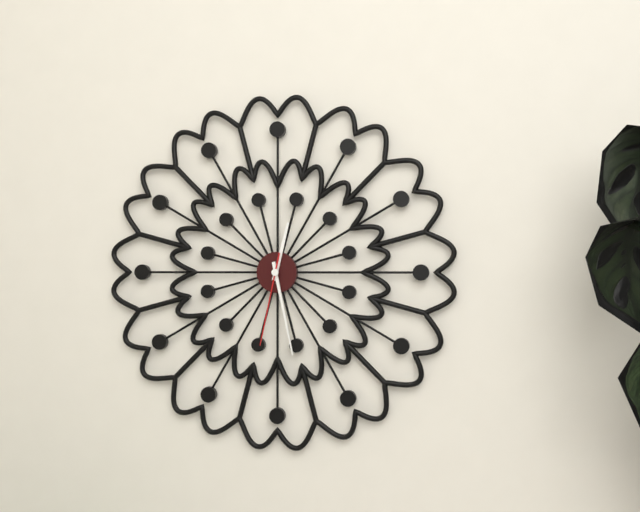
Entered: 12 h 28 min 32 s
